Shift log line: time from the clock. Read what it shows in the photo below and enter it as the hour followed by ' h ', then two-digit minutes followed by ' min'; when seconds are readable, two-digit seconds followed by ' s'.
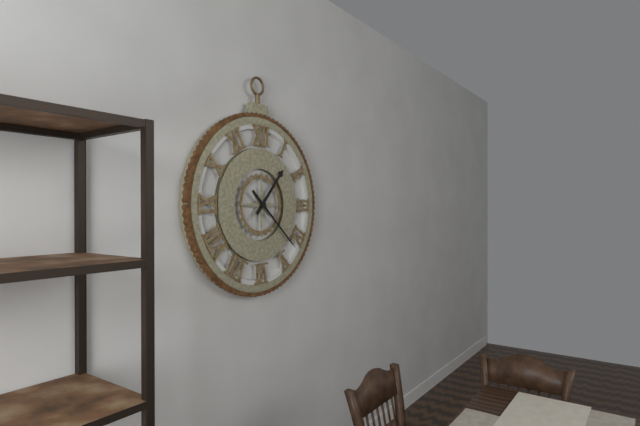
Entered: 1 h 22 min
